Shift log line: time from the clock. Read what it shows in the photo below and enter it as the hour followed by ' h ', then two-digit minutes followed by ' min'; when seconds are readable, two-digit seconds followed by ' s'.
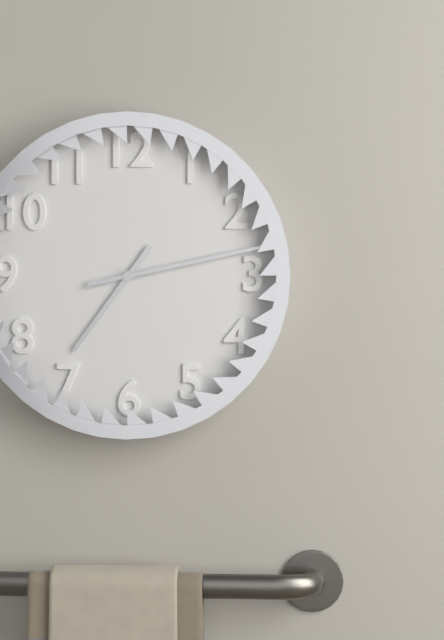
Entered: 7 h 13 min
